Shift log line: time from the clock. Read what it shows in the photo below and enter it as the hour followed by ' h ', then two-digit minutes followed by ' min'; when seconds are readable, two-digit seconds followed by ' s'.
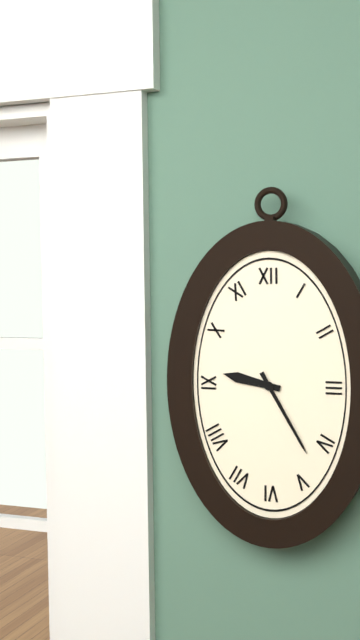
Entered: 9 h 25 min
